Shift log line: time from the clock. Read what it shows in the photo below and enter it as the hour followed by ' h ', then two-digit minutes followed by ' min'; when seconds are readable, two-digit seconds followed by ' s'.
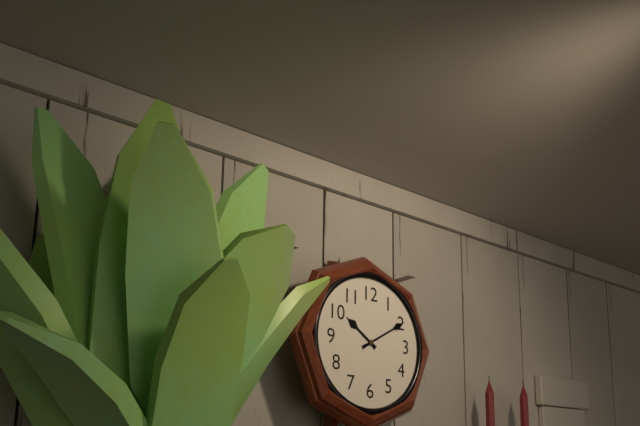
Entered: 10 h 10 min
